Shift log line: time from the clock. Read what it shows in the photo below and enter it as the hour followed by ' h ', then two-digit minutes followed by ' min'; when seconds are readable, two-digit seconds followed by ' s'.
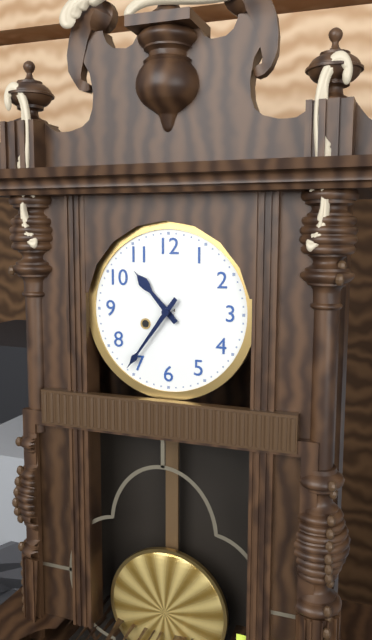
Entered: 10 h 36 min
